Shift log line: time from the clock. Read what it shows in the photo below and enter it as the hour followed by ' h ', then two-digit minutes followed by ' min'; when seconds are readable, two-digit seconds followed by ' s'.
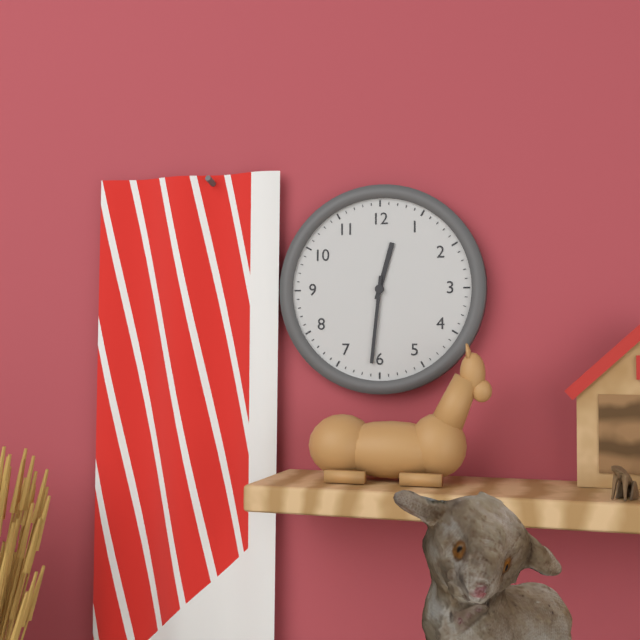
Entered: 12 h 31 min
